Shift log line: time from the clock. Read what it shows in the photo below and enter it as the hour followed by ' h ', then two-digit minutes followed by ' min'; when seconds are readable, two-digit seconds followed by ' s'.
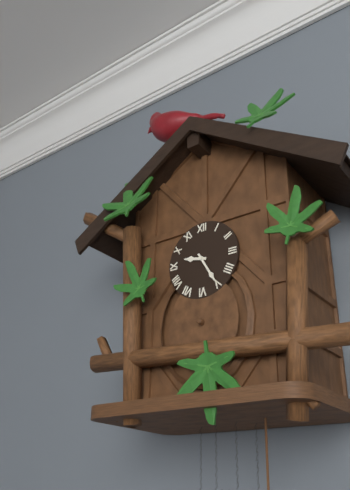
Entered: 9 h 25 min
